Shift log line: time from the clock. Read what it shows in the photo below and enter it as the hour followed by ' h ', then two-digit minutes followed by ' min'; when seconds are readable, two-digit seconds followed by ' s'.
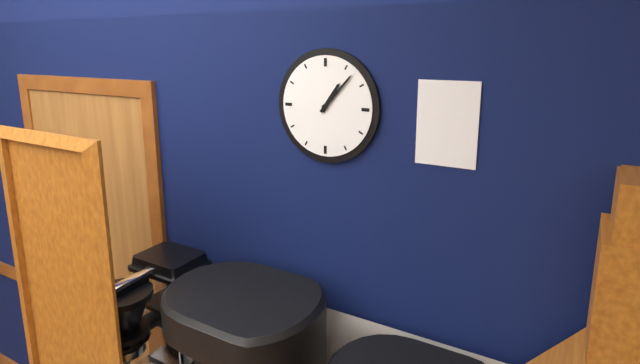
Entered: 1 h 07 min
